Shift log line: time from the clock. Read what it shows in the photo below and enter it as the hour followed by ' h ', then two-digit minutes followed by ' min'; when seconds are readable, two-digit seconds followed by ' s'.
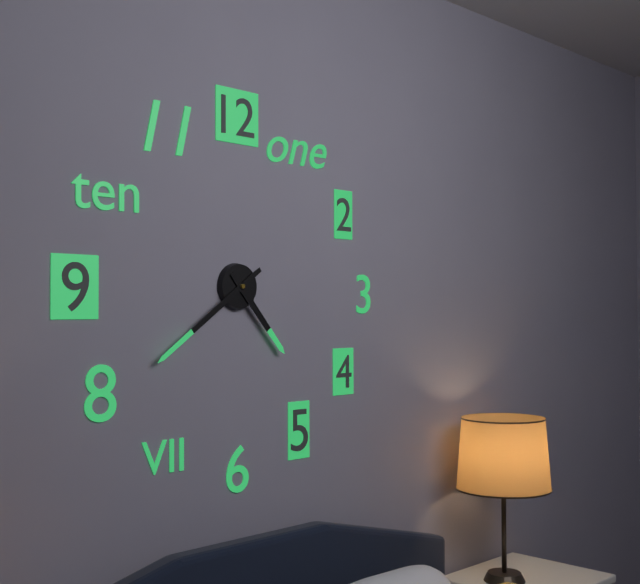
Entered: 4 h 39 min
